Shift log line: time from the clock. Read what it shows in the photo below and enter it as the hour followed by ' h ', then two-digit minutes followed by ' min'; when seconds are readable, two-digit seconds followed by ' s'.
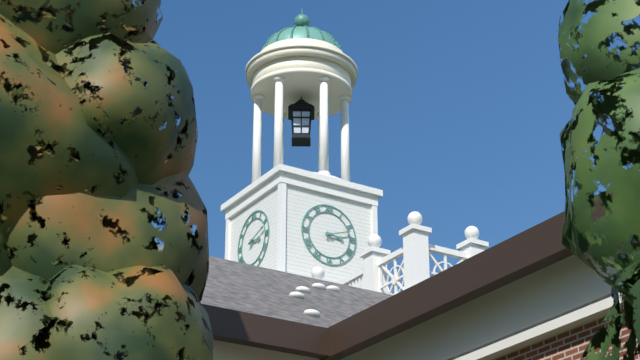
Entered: 3 h 12 min
